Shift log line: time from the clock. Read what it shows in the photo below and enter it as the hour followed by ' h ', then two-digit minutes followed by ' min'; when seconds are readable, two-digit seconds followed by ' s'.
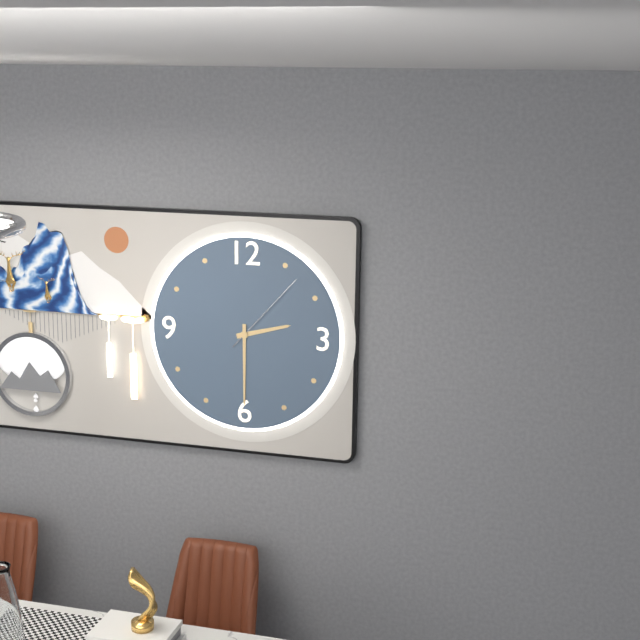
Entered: 2 h 30 min 07 s
